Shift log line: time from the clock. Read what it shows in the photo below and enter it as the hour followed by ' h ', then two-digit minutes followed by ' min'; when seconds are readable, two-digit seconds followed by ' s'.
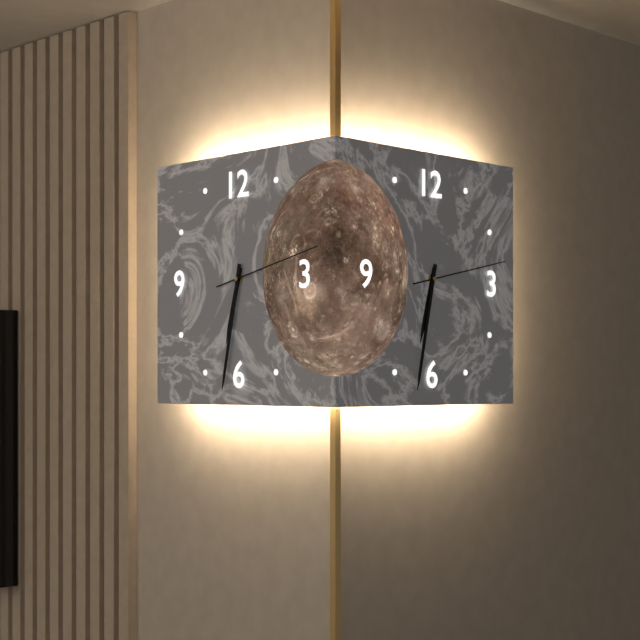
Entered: 6 h 32 min 13 s
